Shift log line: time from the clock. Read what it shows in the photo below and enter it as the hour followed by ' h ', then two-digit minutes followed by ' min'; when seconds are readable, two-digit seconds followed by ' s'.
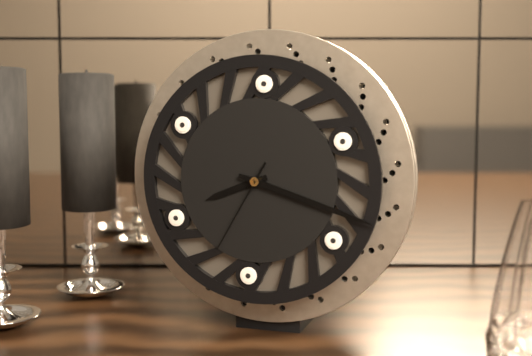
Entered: 8 h 18 min 35 s
